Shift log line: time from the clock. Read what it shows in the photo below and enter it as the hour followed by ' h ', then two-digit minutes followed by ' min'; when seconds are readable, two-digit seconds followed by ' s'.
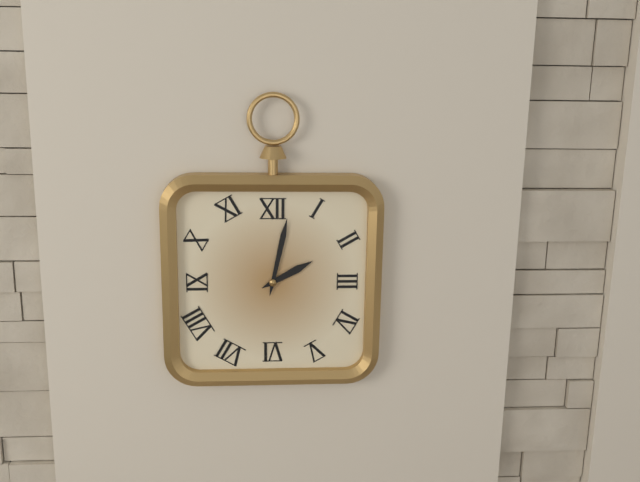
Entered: 2 h 02 min
